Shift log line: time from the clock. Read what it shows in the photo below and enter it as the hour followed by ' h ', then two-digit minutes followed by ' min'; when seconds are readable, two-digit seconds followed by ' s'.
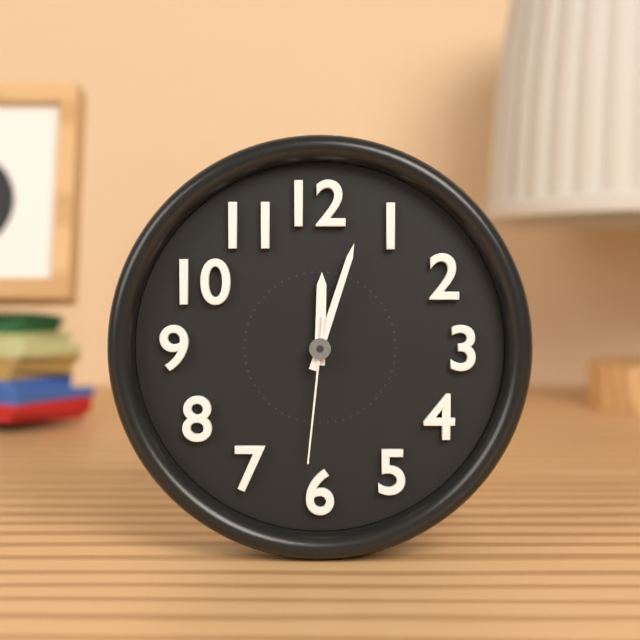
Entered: 12 h 03 min 31 s
